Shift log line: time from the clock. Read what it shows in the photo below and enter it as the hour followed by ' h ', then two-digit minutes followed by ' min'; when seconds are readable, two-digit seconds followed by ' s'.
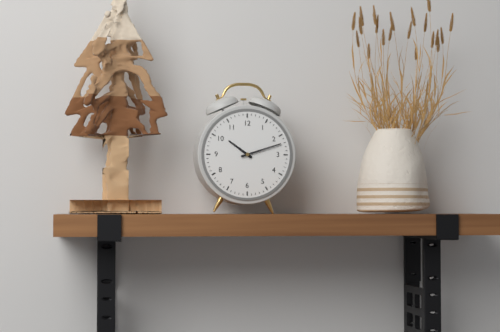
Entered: 10 h 12 min
